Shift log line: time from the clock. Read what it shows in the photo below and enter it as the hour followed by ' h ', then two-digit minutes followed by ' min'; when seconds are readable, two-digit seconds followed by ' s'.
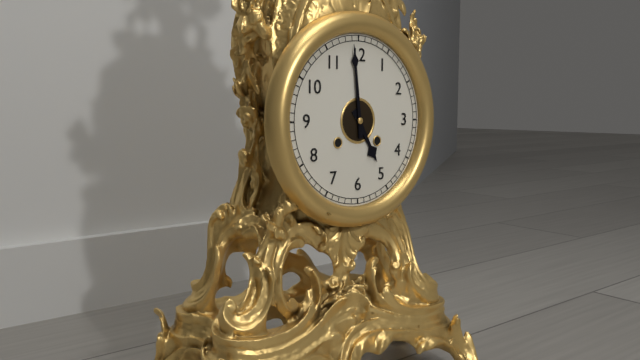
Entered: 4 h 59 min
